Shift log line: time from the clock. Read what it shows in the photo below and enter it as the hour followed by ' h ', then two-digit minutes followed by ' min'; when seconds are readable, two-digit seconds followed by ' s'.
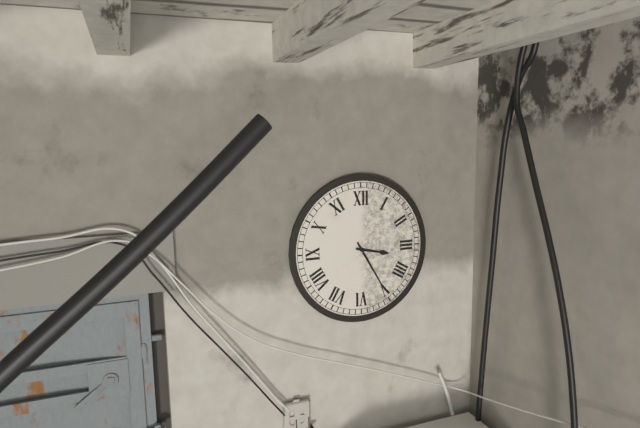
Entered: 3 h 25 min
